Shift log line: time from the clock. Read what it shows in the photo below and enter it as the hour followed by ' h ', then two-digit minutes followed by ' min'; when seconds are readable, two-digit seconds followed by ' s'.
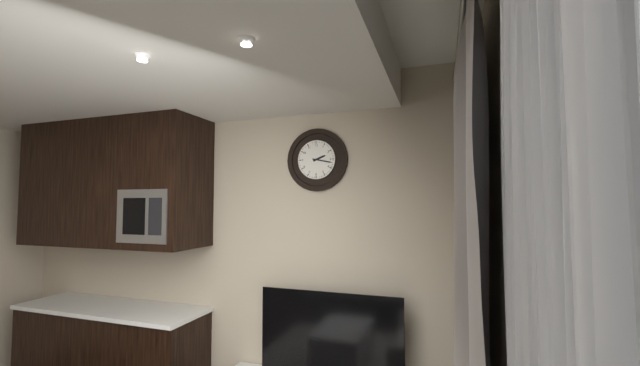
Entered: 2 h 17 min
